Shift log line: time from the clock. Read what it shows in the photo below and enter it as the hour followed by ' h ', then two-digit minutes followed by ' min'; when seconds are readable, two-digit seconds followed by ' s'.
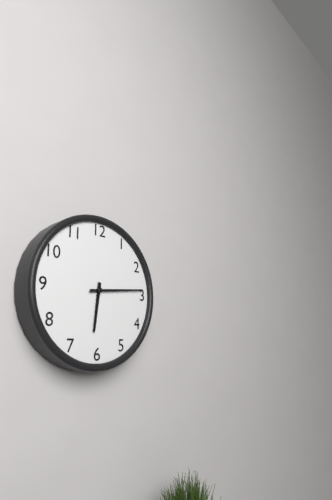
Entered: 6 h 14 min
